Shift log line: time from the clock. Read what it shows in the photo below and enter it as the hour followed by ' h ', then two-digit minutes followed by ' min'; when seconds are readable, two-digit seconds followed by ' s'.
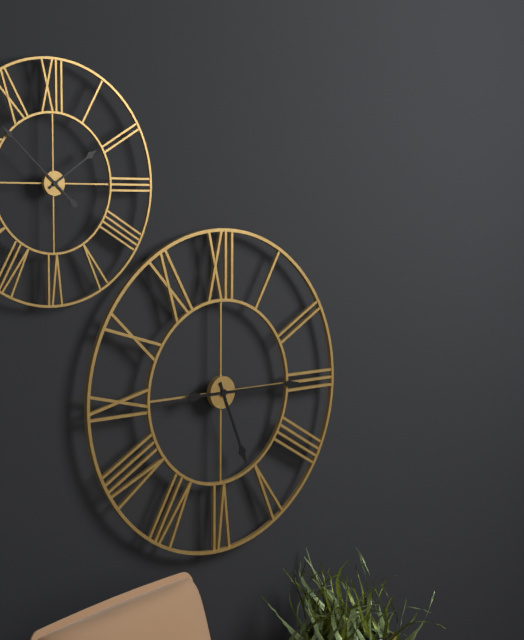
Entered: 5 h 15 min
